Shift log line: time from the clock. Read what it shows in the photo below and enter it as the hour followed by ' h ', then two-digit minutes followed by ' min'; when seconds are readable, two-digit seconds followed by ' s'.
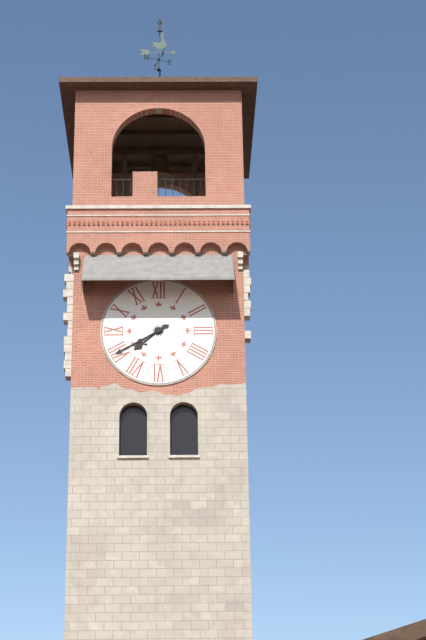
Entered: 7 h 40 min
